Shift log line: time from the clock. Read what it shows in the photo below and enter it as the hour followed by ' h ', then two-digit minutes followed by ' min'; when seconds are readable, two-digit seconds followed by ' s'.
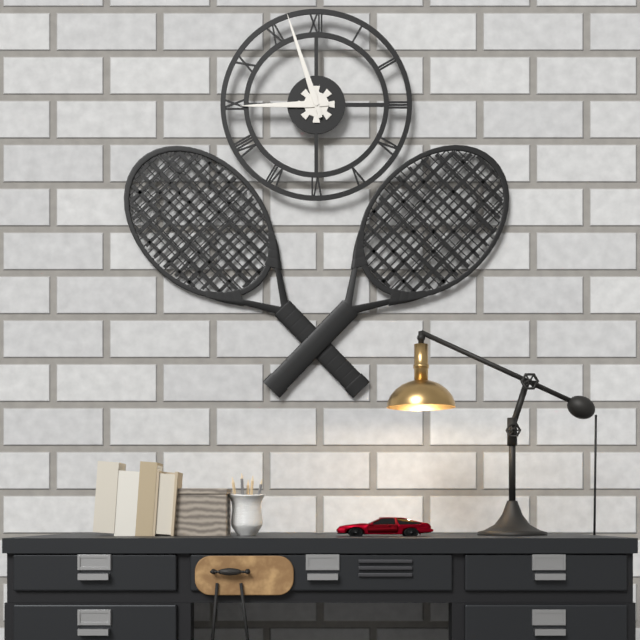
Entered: 8 h 57 min
